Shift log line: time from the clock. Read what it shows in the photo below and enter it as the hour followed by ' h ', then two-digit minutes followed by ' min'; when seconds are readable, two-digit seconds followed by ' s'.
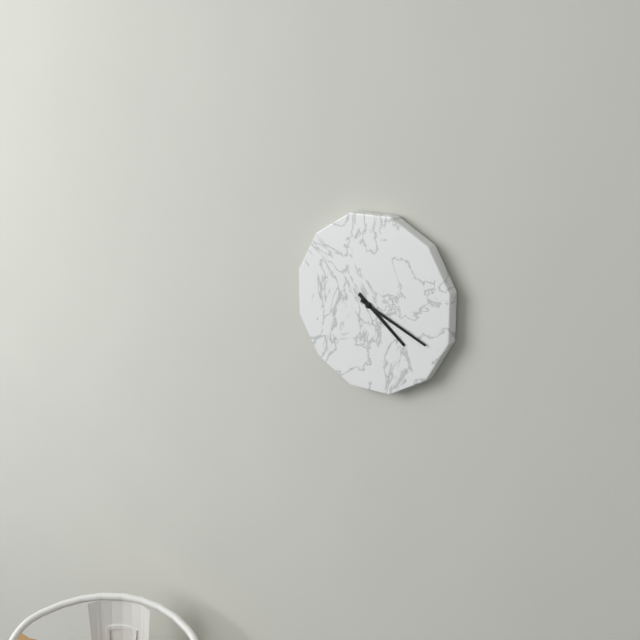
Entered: 4 h 19 min
